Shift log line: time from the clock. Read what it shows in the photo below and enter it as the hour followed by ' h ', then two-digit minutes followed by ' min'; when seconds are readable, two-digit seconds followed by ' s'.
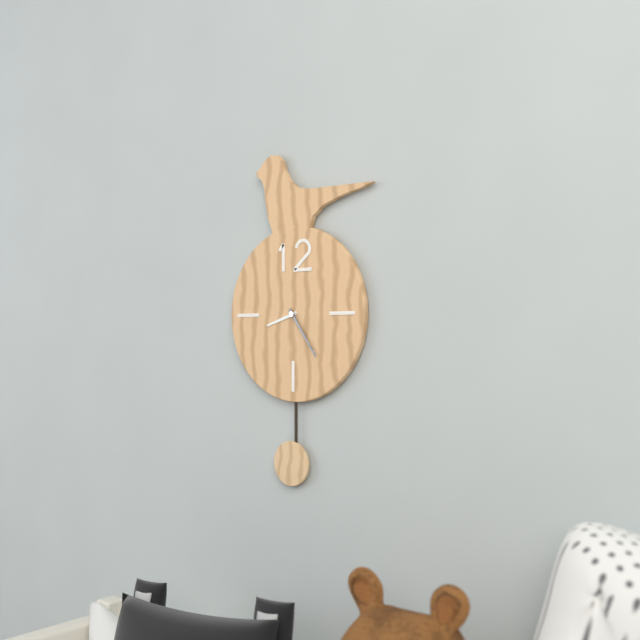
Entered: 8 h 24 min
